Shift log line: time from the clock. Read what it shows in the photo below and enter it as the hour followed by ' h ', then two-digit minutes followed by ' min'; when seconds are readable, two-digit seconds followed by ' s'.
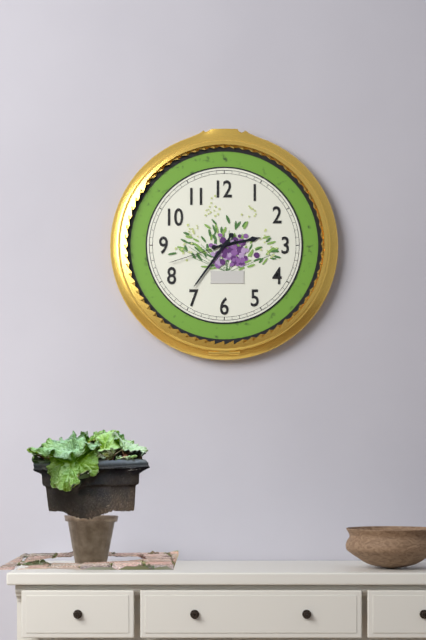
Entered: 2 h 36 min 42 s
